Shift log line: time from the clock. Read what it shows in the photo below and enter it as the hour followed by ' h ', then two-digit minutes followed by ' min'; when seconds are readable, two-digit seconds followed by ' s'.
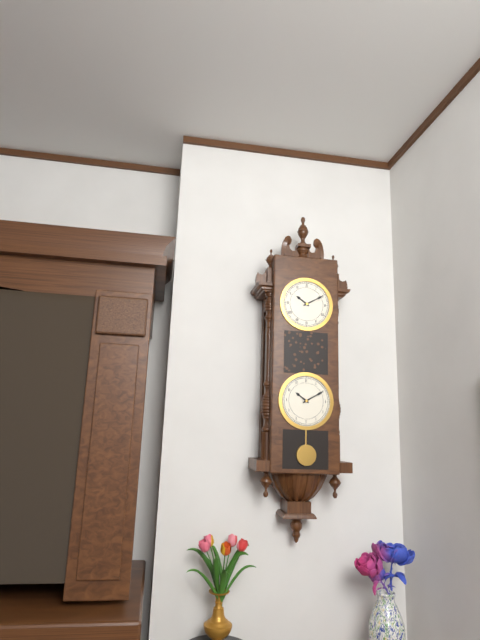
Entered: 10 h 10 min
